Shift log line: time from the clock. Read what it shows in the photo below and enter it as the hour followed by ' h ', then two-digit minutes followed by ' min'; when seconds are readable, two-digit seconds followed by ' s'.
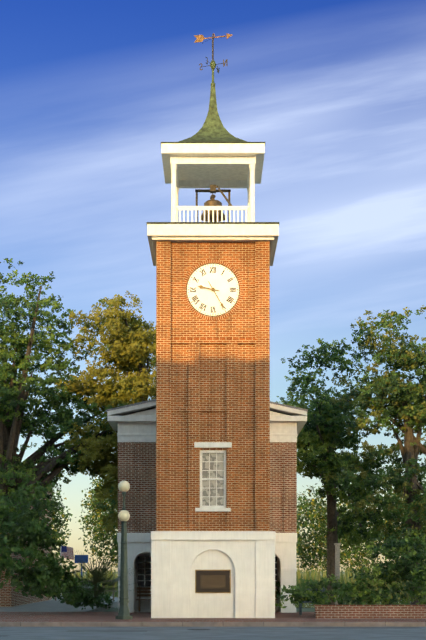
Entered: 9 h 25 min
